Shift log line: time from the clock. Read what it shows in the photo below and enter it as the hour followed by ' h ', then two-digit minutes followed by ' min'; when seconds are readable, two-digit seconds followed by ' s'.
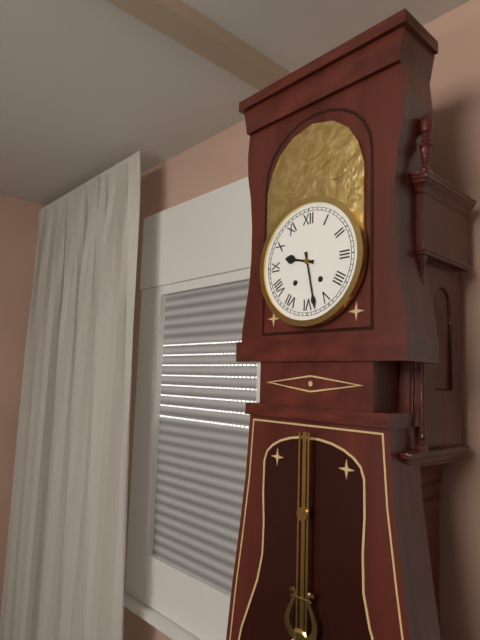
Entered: 9 h 28 min
